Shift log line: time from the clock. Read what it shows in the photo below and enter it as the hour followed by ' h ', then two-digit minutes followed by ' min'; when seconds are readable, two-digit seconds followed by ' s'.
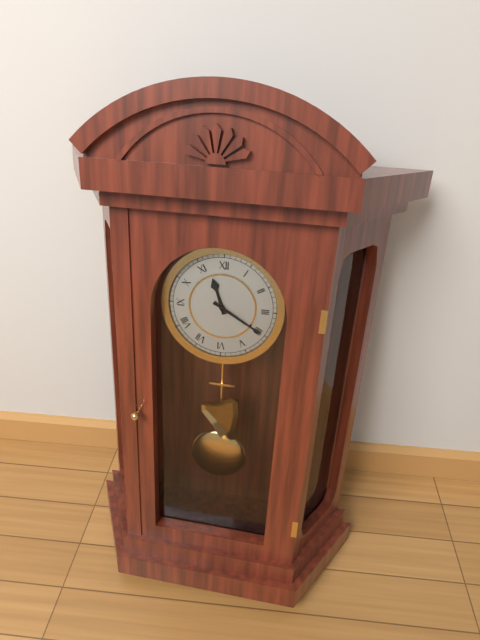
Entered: 11 h 20 min
